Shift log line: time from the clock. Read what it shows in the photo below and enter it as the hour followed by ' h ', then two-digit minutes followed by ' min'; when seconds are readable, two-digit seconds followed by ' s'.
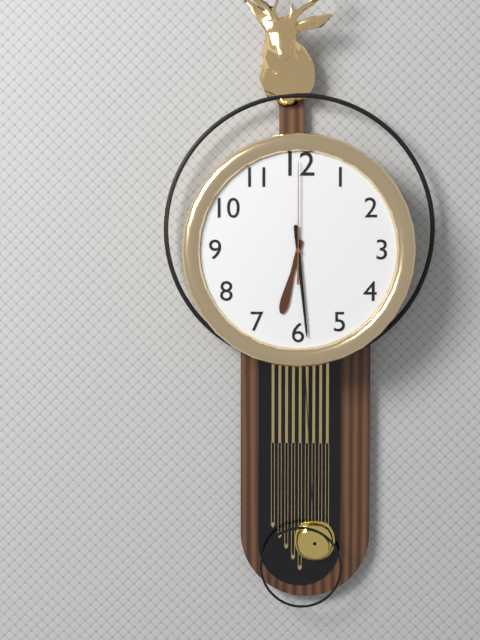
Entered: 6 h 29 min 00 s
